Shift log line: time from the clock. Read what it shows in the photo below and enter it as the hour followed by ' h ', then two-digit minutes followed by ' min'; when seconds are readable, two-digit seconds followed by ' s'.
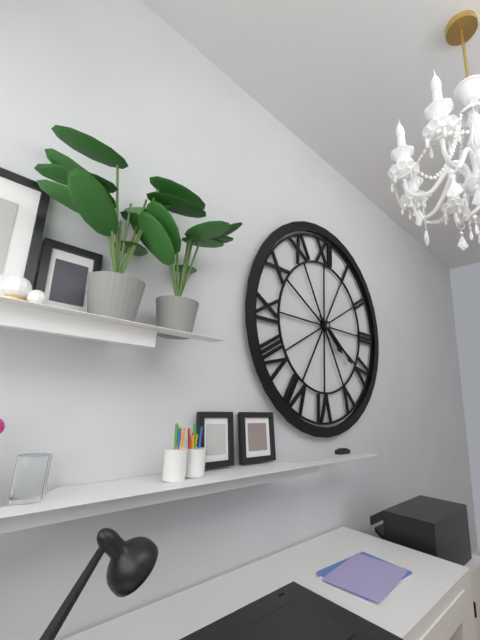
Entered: 4 h 21 min
